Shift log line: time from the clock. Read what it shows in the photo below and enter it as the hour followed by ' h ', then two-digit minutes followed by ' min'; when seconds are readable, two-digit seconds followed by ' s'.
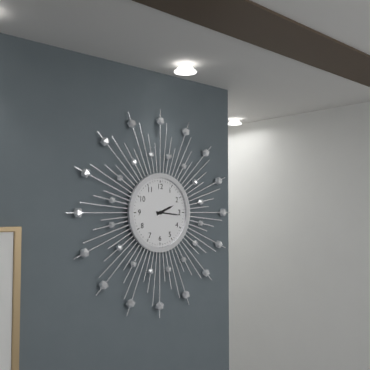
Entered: 2 h 16 min
